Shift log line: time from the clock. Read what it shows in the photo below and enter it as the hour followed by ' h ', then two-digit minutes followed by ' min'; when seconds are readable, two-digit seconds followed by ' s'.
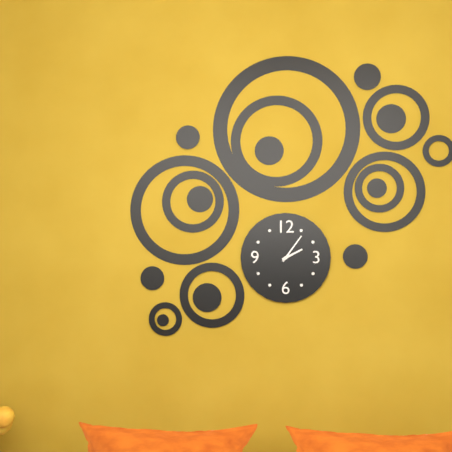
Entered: 2 h 06 min
